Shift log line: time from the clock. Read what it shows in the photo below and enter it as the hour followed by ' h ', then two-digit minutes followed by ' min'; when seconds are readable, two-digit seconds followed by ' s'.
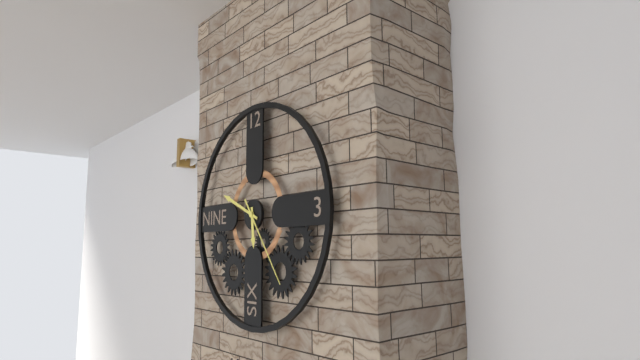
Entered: 5 h 49 min 24 s
